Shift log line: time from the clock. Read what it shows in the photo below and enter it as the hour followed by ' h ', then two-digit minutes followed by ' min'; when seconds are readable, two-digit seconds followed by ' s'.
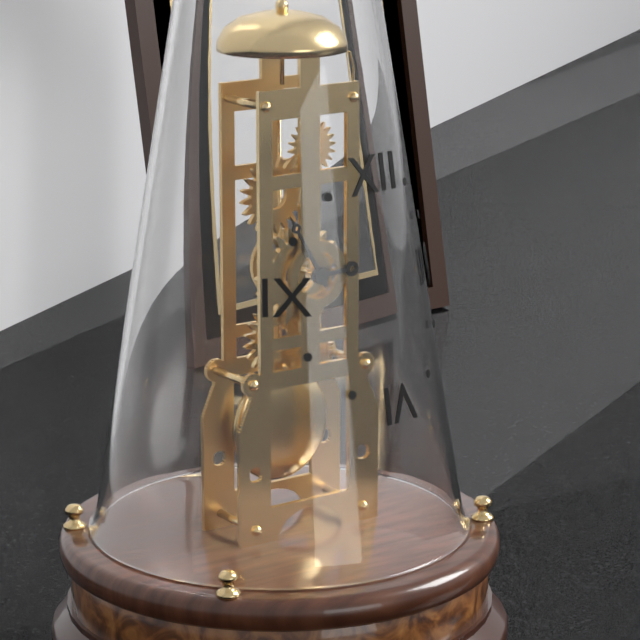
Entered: 2 h 55 min
